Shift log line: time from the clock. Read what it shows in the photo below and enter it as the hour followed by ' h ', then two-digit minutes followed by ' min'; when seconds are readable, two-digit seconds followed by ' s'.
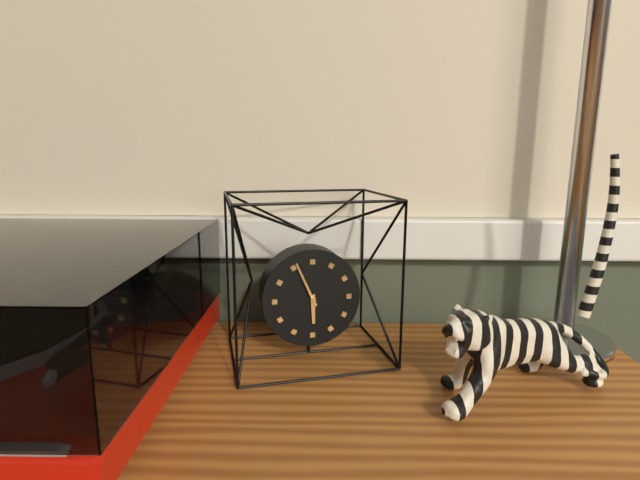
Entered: 5 h 56 min
